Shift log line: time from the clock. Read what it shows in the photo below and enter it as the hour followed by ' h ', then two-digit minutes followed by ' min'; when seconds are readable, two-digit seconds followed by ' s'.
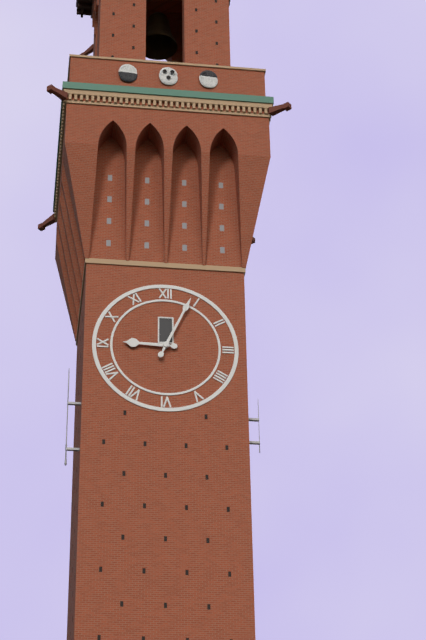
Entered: 9 h 04 min
